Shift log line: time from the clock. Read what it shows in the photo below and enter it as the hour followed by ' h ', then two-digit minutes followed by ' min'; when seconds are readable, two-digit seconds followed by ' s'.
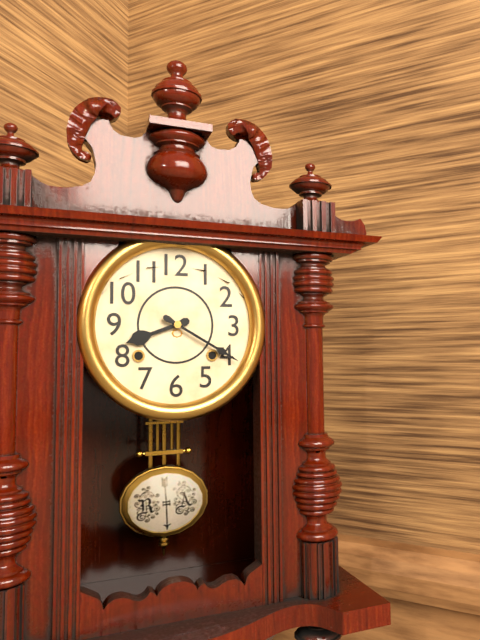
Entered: 8 h 20 min
